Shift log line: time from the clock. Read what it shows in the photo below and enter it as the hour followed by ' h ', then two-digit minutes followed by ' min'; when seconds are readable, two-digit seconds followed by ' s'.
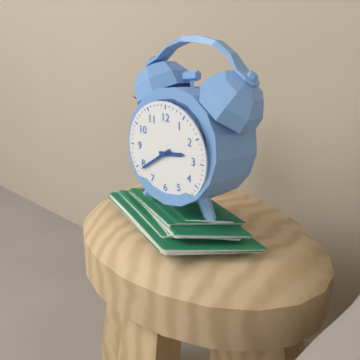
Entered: 2 h 39 min
